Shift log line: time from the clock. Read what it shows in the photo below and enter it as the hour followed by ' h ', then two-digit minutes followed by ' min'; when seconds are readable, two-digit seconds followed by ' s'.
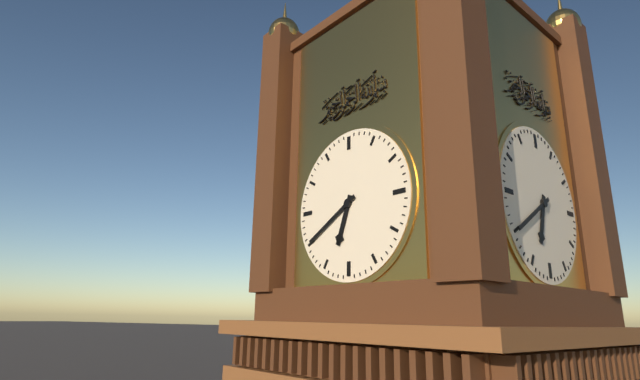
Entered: 6 h 40 min
